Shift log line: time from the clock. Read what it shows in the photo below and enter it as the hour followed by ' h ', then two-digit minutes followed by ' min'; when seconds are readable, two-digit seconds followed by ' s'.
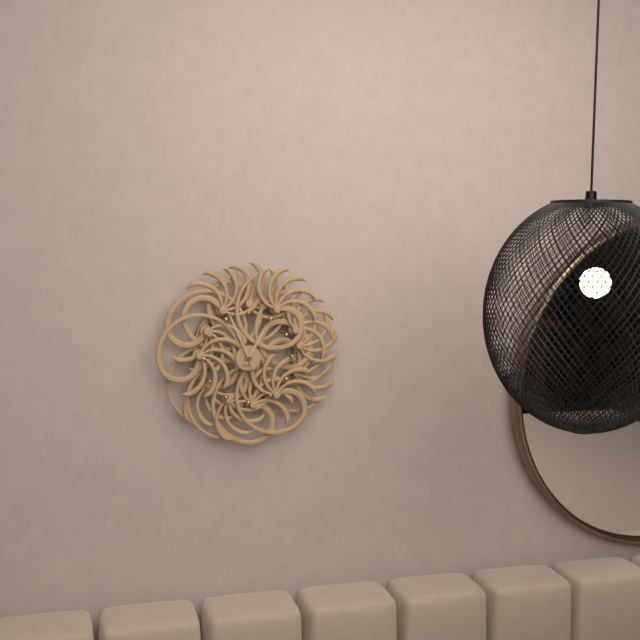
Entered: 12 h 56 min
